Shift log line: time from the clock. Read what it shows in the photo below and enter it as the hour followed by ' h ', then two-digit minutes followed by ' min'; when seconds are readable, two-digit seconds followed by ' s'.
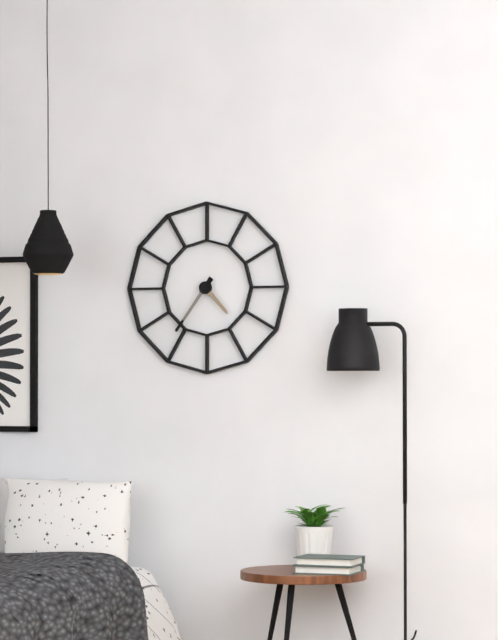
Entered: 4 h 36 min
